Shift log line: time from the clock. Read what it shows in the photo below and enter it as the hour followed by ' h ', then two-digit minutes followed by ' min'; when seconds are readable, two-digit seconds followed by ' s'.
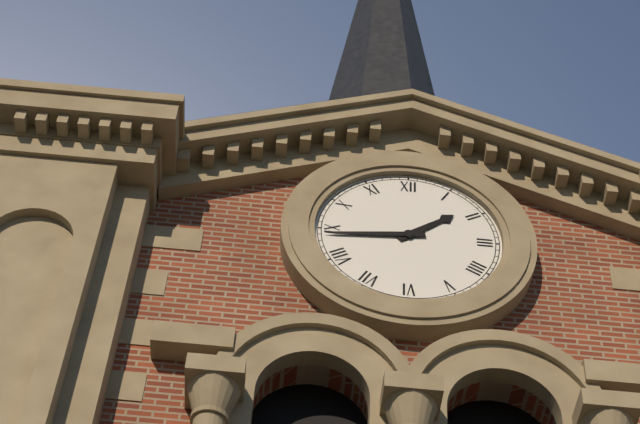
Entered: 1 h 44 min
